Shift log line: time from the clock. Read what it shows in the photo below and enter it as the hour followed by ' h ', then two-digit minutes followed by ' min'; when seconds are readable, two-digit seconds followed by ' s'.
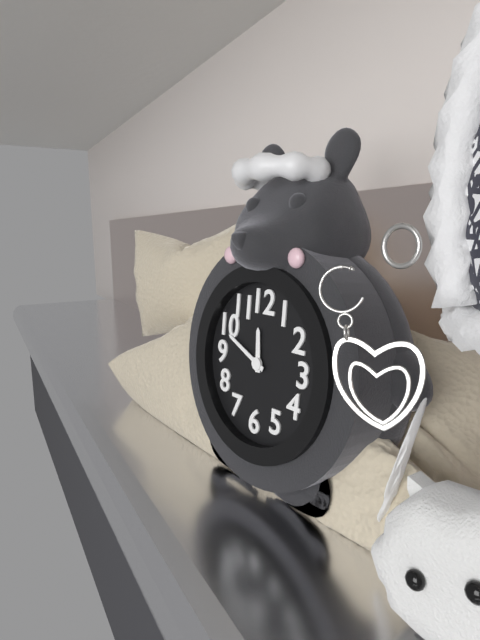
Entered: 11 h 49 min
